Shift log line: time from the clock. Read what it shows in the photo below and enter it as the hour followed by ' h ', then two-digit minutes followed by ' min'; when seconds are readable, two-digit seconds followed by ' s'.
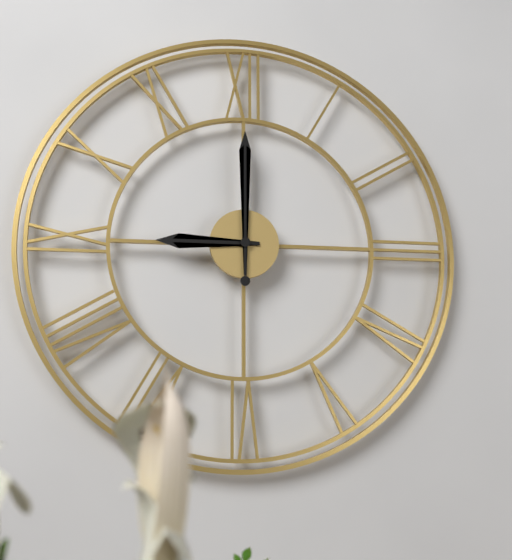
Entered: 9 h 00 min
